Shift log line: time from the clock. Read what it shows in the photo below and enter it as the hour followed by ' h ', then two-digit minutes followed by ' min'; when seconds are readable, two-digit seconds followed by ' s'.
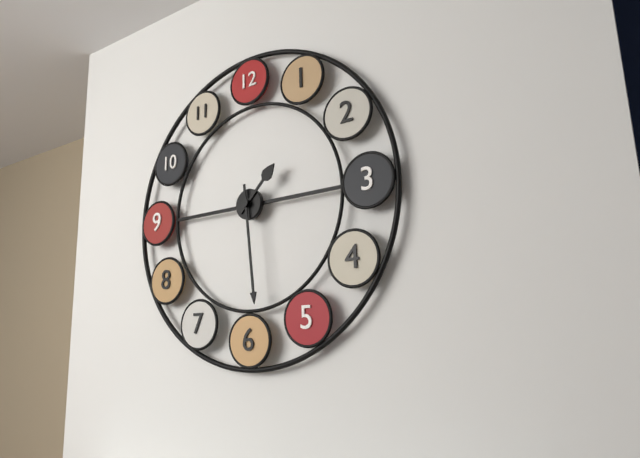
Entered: 1 h 29 min
